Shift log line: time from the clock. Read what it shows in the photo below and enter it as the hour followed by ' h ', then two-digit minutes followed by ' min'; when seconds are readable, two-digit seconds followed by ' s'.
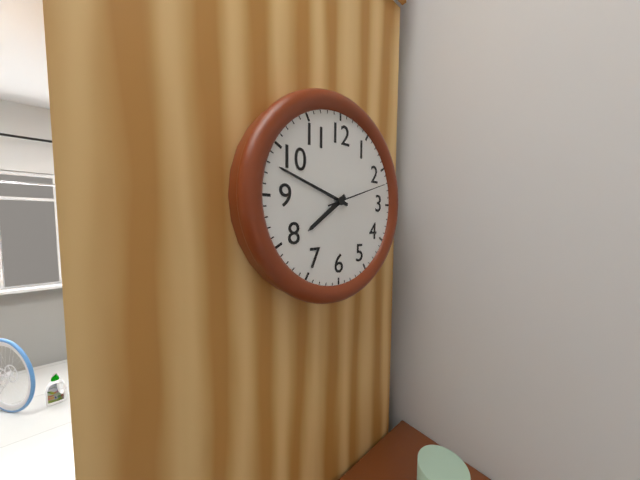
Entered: 7 h 48 min 12 s
